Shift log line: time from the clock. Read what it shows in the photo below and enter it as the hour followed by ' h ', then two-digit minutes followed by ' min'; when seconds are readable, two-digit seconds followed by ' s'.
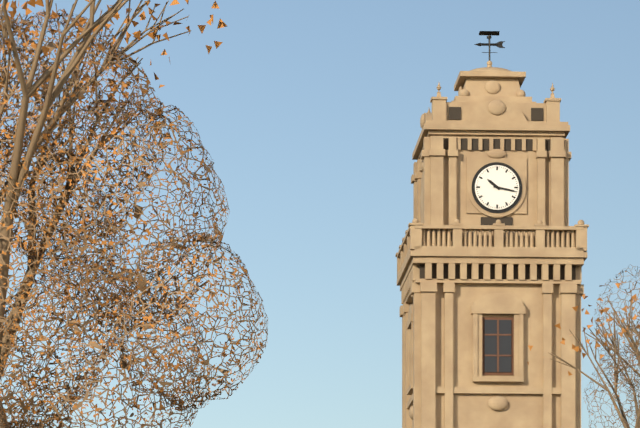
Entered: 10 h 17 min
